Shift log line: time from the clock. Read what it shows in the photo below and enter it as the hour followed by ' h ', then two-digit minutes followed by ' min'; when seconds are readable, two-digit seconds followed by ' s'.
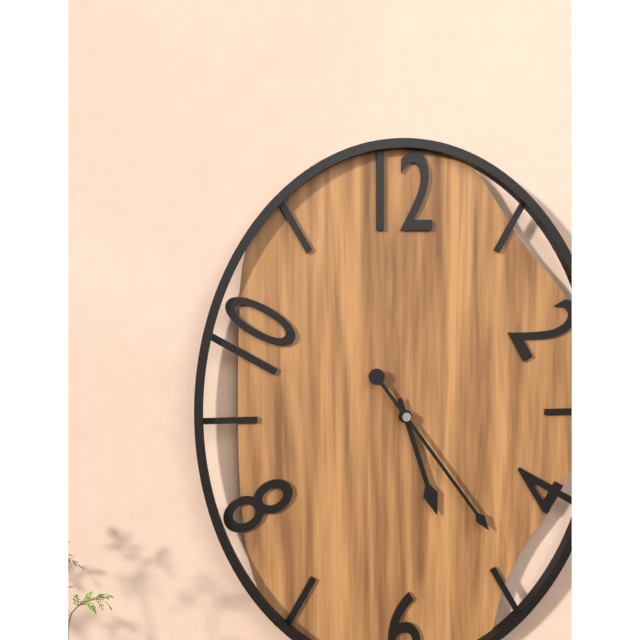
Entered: 5 h 24 min
